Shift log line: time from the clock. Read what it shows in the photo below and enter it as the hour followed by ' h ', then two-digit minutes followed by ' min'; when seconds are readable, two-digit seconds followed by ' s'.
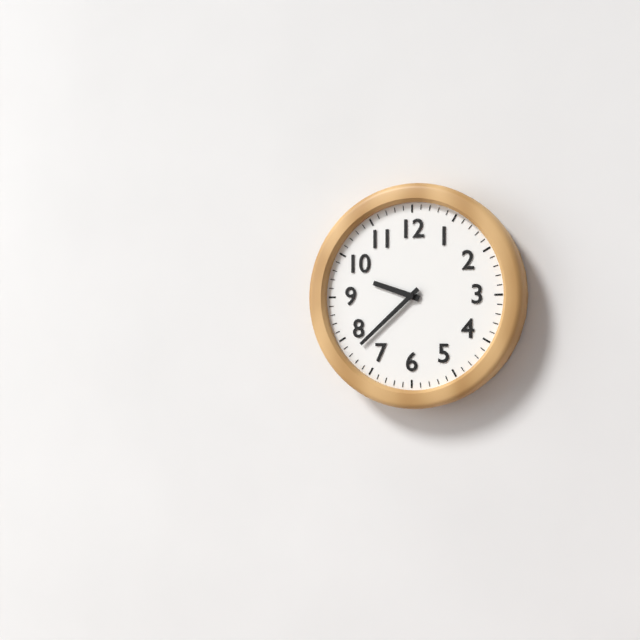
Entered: 9 h 38 min
